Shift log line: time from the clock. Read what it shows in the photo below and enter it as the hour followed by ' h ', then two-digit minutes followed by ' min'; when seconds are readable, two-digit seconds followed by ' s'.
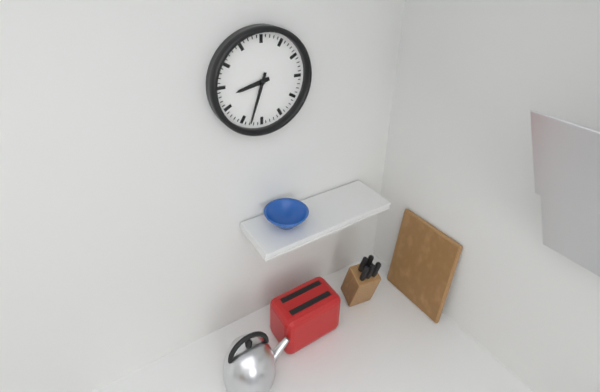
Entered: 8 h 33 min
